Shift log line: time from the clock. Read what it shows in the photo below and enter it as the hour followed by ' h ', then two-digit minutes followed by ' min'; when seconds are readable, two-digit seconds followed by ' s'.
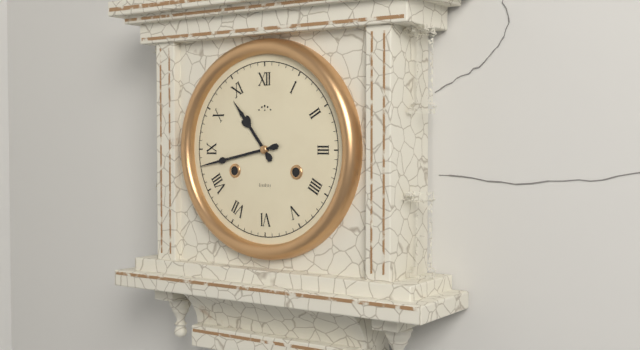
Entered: 10 h 43 min
